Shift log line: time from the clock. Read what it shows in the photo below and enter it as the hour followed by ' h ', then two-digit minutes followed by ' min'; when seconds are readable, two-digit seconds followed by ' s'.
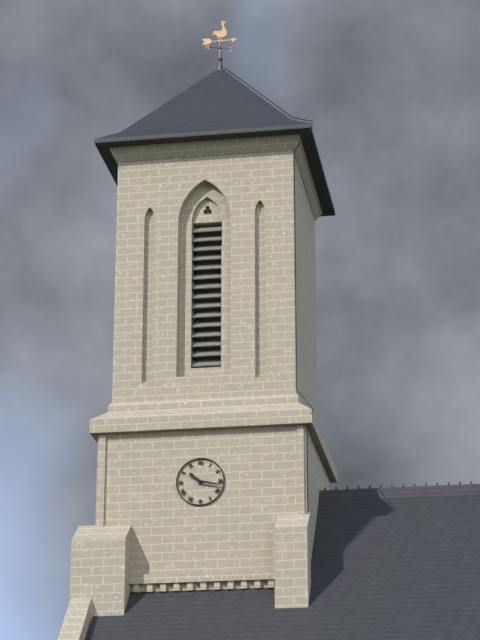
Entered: 10 h 17 min
